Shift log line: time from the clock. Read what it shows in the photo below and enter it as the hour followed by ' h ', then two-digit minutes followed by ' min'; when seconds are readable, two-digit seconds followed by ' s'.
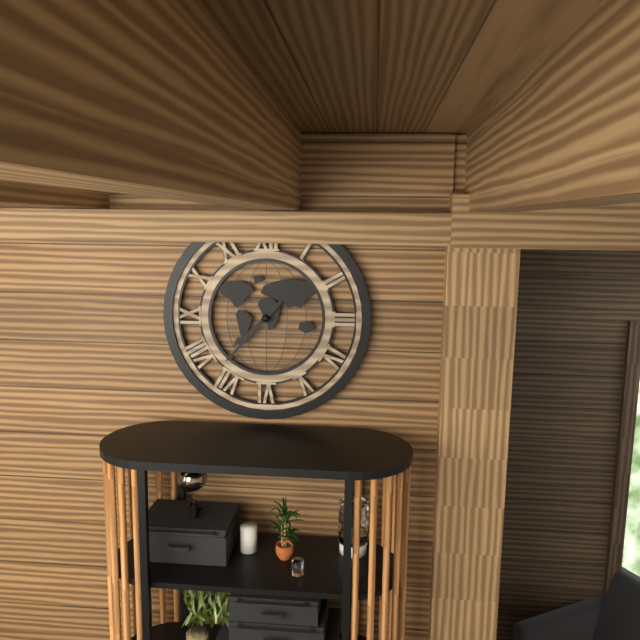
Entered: 7 h 37 min
